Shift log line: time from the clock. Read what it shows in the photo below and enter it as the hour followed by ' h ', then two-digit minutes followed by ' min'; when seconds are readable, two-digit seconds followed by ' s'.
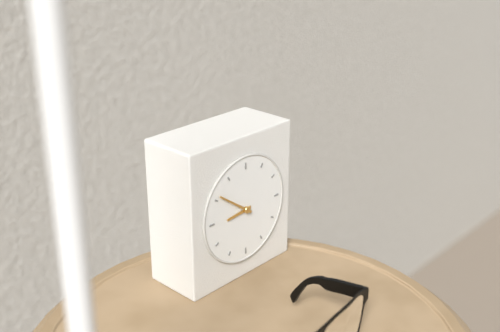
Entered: 8 h 51 min
